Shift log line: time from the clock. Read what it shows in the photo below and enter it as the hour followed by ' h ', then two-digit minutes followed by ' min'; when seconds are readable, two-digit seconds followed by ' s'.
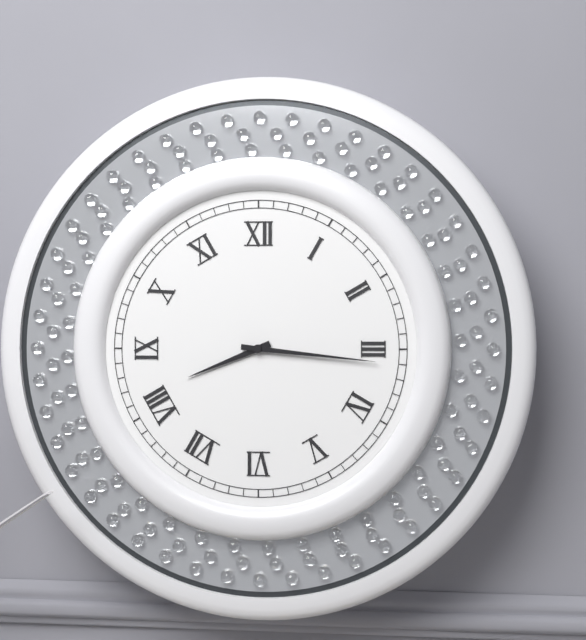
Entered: 8 h 16 min
